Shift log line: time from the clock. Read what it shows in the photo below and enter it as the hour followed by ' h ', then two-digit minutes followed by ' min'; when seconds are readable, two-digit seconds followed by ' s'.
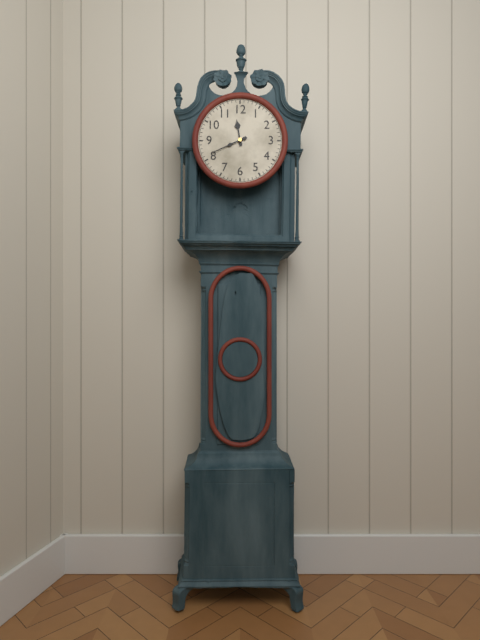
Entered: 11 h 41 min
